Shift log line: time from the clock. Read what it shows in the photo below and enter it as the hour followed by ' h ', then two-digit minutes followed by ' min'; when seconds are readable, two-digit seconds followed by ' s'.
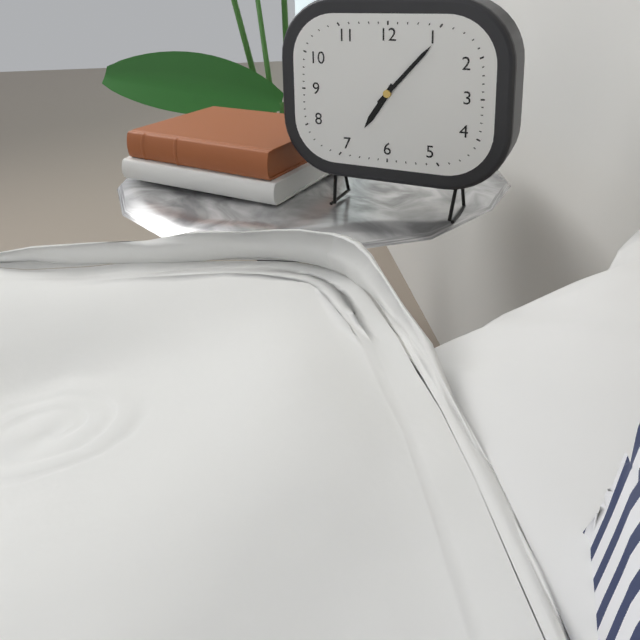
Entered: 7 h 07 min
